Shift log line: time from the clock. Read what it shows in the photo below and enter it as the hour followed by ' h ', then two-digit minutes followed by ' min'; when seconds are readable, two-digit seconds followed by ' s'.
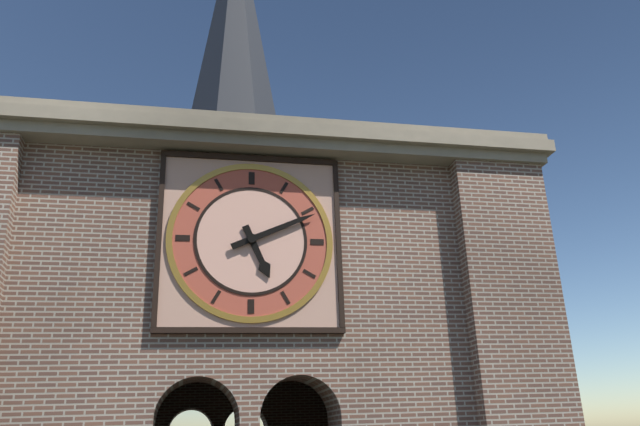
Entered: 5 h 11 min
